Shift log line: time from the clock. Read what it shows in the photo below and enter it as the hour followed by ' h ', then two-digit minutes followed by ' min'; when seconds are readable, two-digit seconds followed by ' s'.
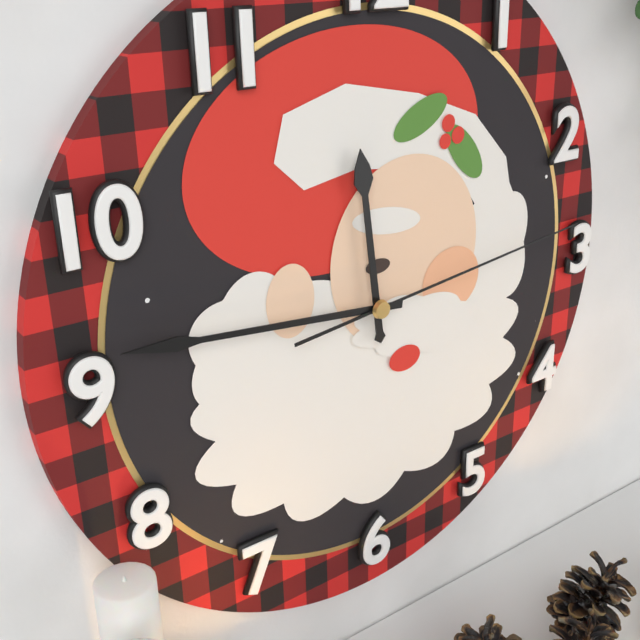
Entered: 11 h 46 min 14 s
